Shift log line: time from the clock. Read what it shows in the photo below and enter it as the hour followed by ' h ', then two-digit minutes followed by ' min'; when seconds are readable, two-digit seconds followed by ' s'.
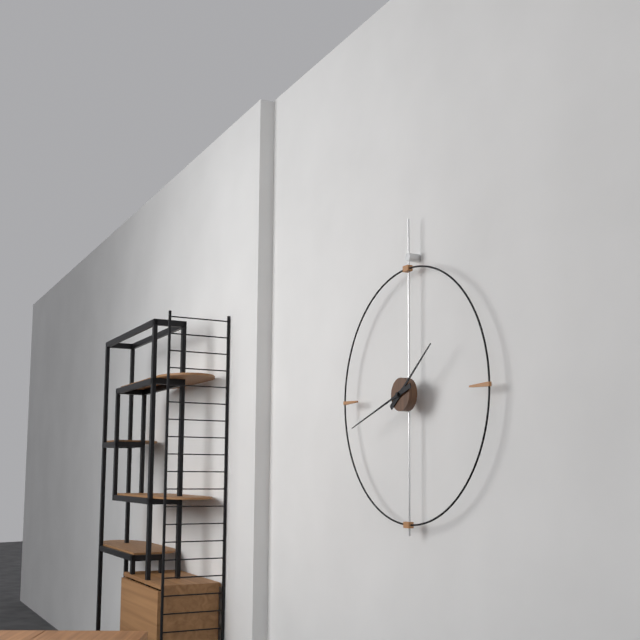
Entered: 1 h 42 min
